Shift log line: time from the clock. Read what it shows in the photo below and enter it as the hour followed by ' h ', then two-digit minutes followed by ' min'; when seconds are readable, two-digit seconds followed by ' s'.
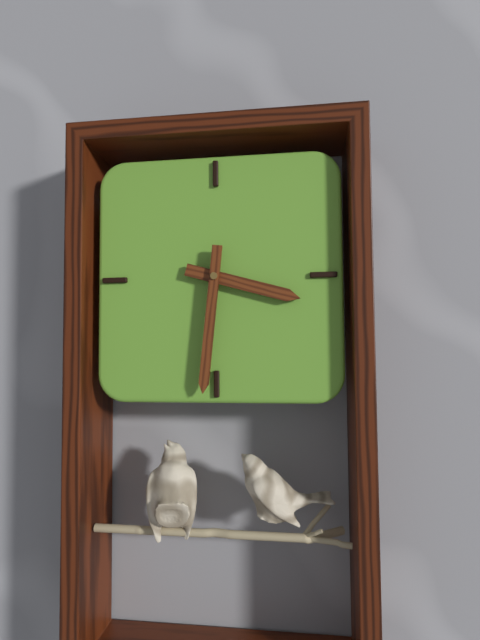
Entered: 3 h 31 min
